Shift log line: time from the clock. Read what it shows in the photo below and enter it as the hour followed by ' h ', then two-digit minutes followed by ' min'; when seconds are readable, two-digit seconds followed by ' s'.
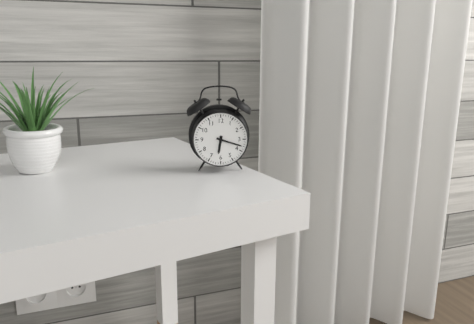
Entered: 6 h 18 min
